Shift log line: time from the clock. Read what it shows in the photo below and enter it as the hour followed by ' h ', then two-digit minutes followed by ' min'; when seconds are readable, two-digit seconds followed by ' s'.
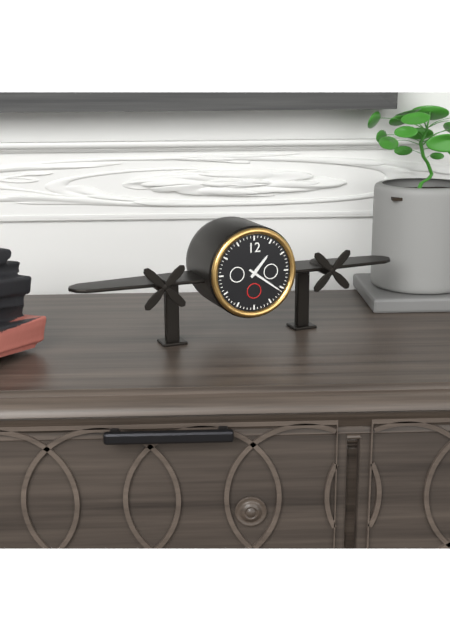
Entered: 1 h 21 min
